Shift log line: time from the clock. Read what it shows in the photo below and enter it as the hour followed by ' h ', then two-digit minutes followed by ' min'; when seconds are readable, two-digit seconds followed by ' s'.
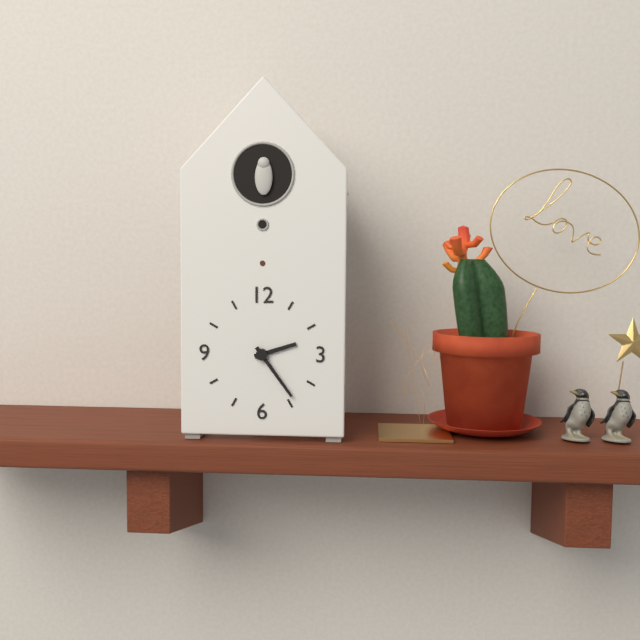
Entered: 2 h 24 min
